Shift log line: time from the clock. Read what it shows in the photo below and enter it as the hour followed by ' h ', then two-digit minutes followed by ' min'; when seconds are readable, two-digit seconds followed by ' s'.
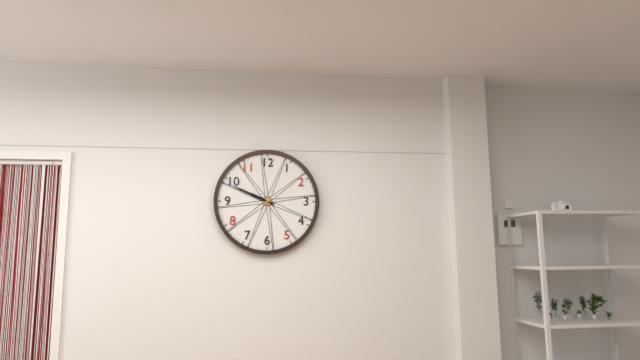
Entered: 9 h 49 min
